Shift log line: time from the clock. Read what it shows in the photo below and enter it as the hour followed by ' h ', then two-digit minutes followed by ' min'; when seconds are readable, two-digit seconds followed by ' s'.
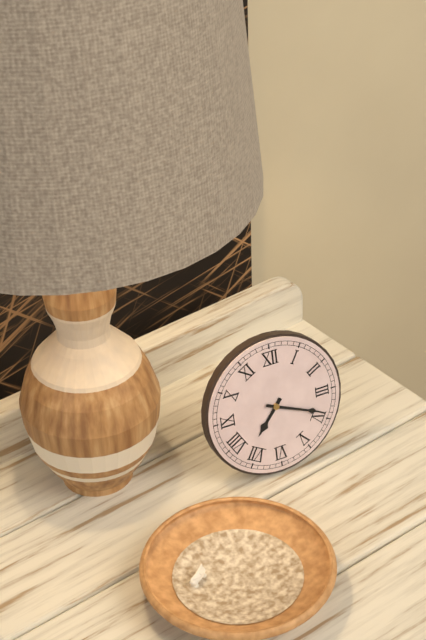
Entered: 7 h 19 min
